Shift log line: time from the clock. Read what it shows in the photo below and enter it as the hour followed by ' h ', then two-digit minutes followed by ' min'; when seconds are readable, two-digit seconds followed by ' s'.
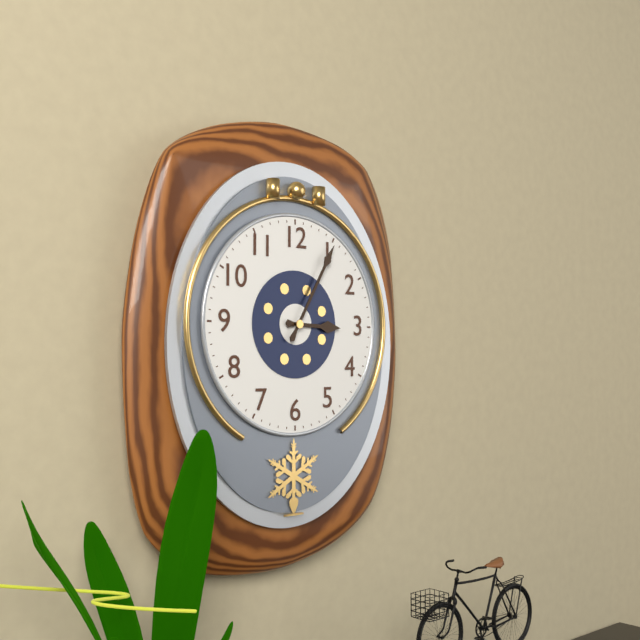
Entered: 3 h 05 min
